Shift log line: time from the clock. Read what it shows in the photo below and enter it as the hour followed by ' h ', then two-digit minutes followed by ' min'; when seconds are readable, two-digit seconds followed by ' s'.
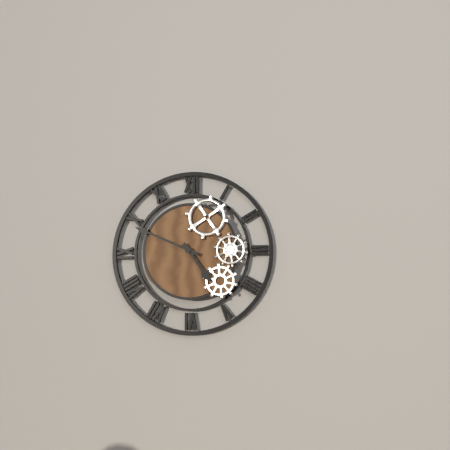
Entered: 4 h 49 min
